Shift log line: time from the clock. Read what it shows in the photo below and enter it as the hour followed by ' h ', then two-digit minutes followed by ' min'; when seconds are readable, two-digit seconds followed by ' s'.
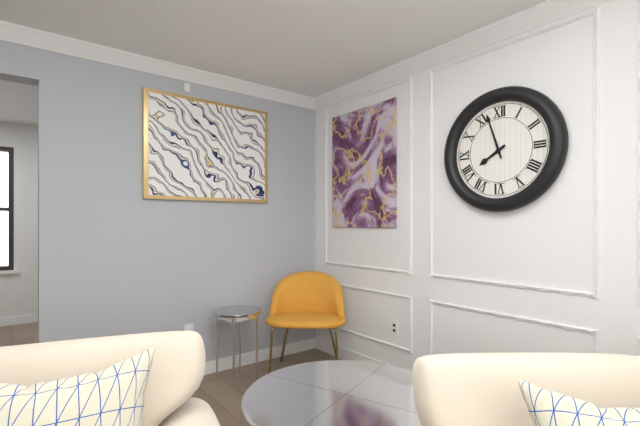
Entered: 7 h 57 min
